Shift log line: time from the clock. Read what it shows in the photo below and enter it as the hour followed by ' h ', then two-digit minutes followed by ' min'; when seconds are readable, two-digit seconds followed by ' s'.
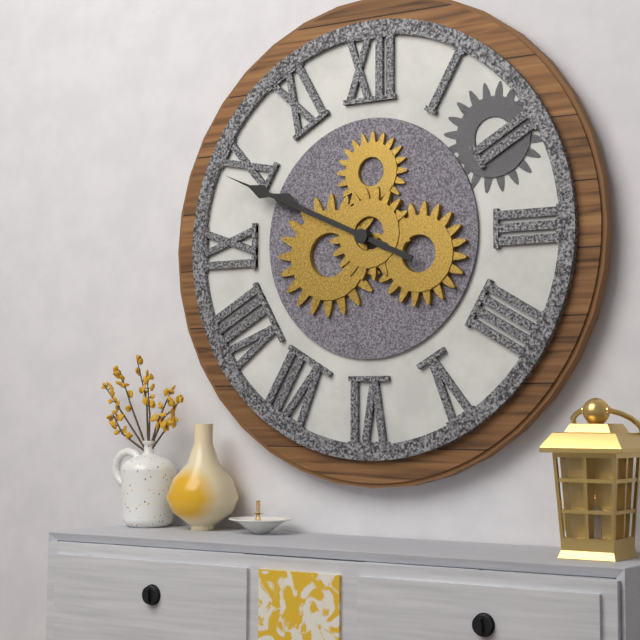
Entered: 9 h 49 min
